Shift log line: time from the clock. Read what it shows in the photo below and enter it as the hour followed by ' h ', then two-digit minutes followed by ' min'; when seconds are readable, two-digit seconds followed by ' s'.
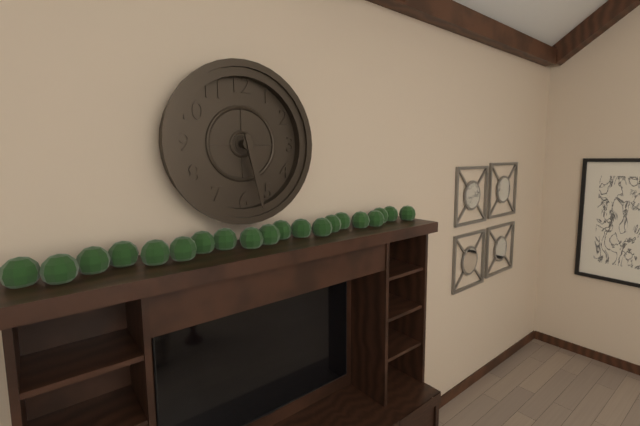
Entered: 5 h 28 min
